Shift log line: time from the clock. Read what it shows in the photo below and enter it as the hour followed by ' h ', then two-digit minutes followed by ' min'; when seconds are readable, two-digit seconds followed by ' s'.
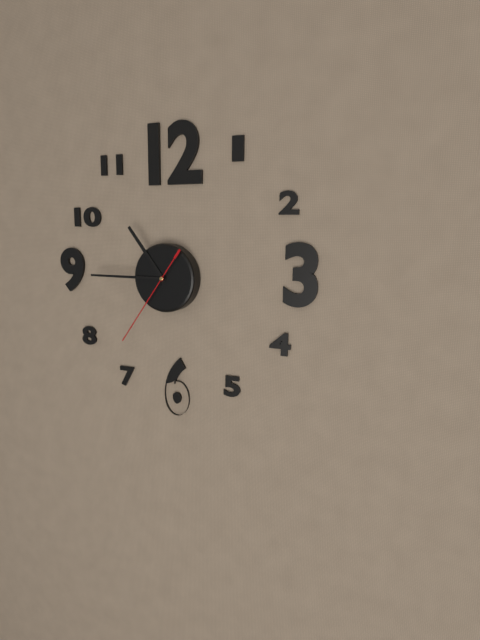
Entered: 10 h 45 min 36 s
